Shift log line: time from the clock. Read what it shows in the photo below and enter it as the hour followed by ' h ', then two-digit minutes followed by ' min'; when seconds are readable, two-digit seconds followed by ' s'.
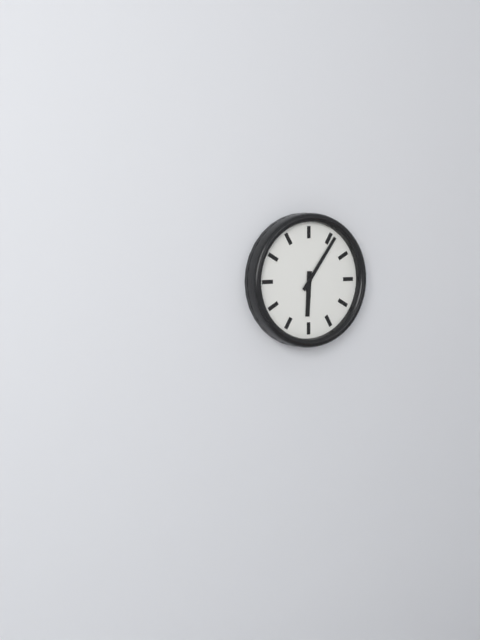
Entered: 6 h 06 min
